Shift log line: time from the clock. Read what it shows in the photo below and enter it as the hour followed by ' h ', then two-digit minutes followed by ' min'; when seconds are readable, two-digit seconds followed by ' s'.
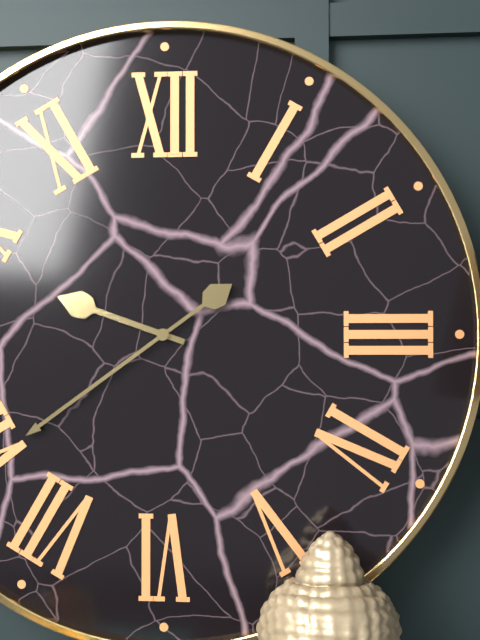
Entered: 9 h 39 min
